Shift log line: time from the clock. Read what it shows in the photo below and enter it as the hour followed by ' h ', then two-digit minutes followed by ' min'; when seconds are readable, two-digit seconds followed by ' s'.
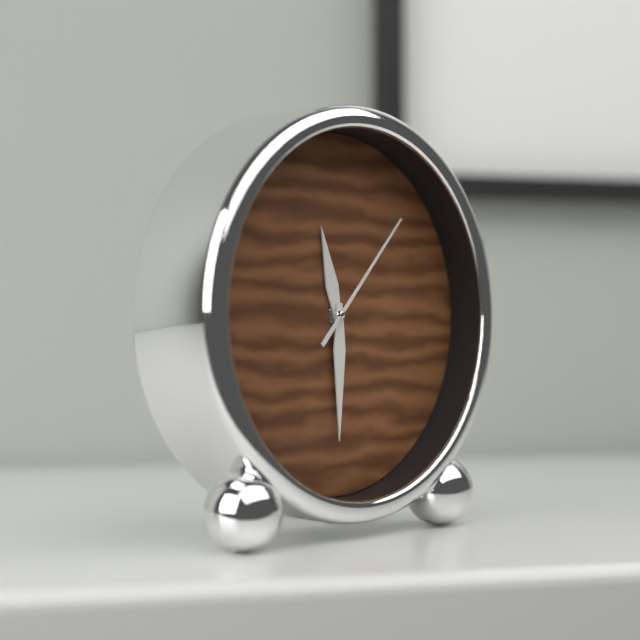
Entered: 11 h 30 min 07 s
